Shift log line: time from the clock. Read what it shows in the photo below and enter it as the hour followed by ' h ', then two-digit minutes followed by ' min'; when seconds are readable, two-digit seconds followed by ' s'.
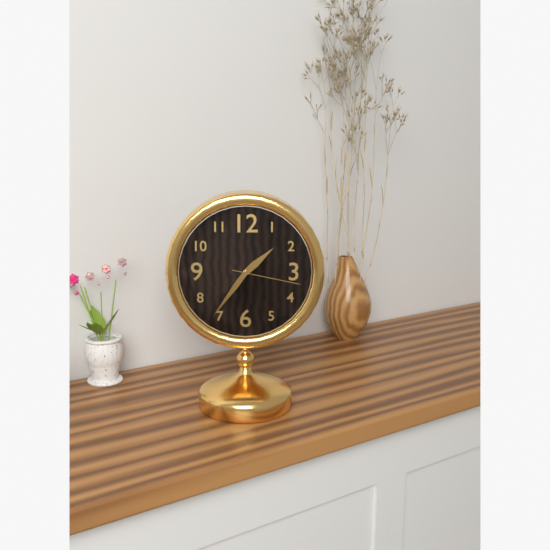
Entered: 1 h 36 min 17 s
